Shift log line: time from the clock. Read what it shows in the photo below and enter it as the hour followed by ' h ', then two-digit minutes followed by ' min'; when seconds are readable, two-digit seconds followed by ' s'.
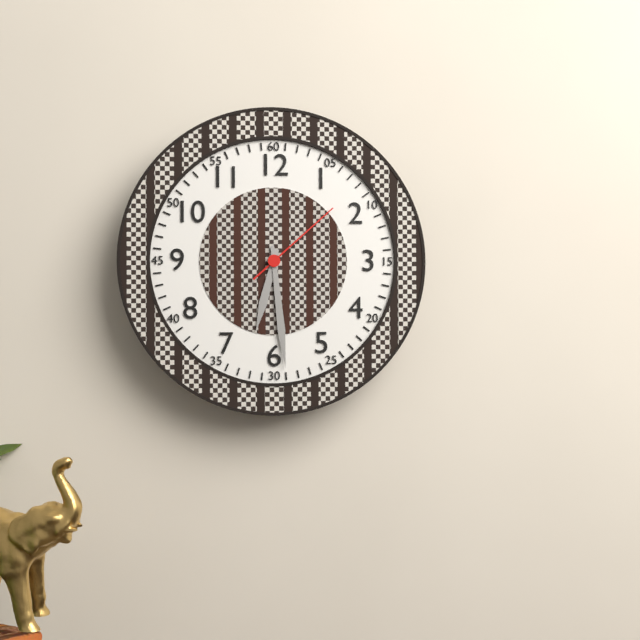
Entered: 6 h 29 min 08 s
